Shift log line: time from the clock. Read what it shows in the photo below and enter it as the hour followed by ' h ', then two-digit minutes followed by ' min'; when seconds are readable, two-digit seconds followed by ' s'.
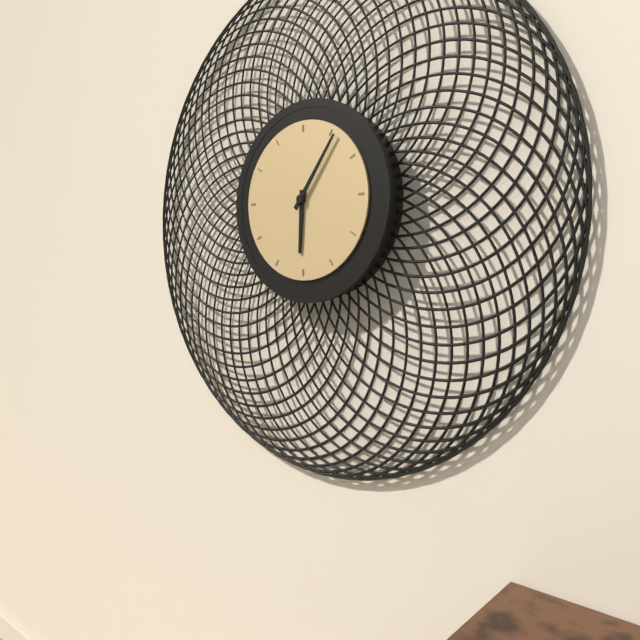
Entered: 6 h 06 min
